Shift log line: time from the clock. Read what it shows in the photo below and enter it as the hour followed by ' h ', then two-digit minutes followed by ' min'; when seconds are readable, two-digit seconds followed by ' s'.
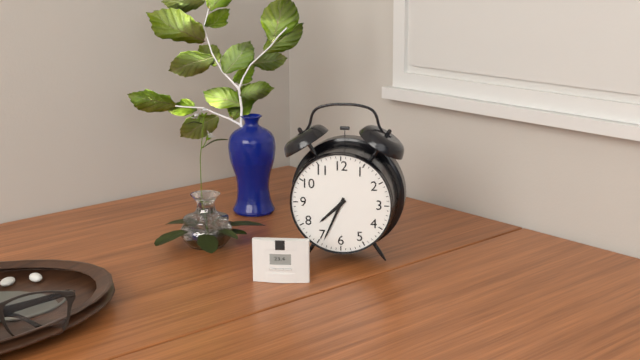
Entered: 7 h 34 min
